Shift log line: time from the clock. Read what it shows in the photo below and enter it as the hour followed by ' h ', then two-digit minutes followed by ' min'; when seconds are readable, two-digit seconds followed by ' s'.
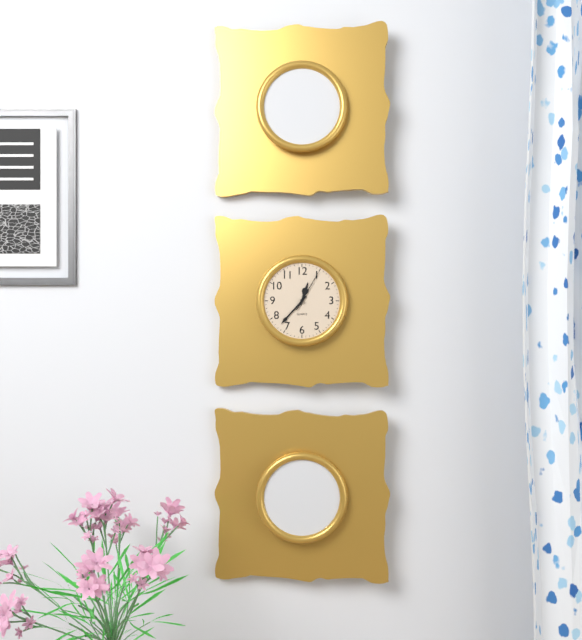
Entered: 12 h 37 min
